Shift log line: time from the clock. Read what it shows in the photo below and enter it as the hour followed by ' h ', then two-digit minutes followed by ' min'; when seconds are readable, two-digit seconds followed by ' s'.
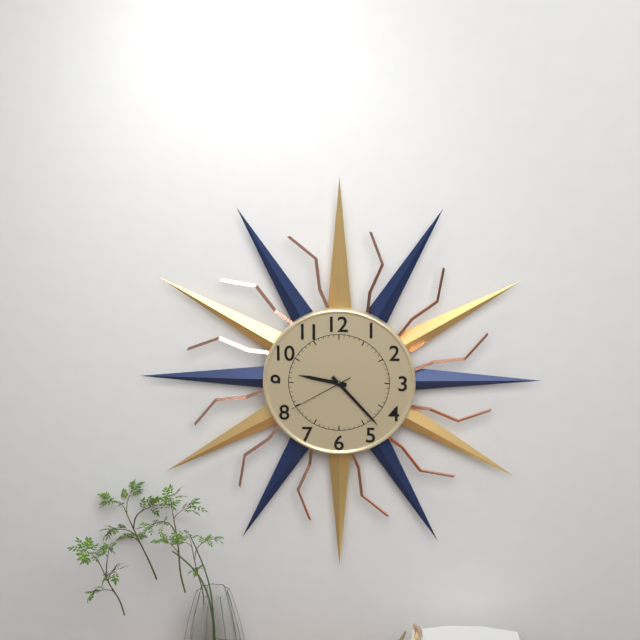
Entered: 9 h 23 min 40 s
